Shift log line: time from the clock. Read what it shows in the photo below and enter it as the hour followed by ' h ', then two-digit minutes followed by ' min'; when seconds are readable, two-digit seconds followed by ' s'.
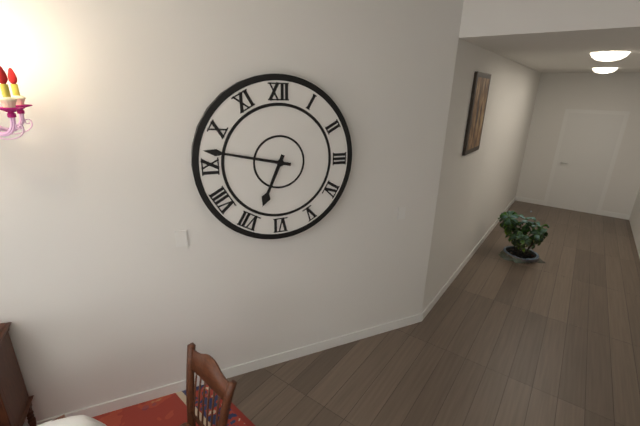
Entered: 6 h 47 min
